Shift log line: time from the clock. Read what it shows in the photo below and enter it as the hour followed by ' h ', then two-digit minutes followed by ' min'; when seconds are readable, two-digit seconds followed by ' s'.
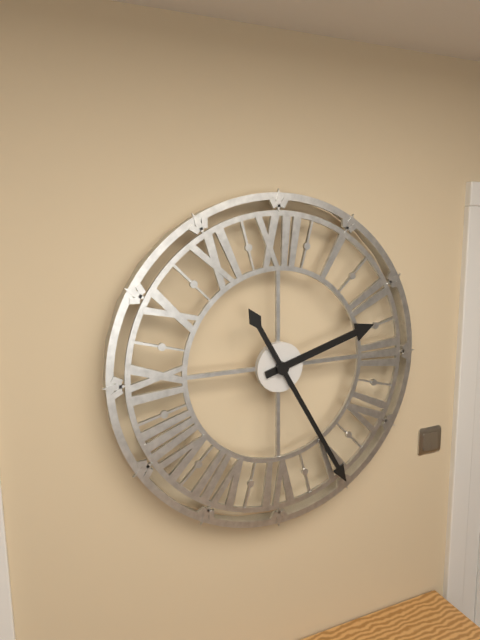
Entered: 2 h 25 min
